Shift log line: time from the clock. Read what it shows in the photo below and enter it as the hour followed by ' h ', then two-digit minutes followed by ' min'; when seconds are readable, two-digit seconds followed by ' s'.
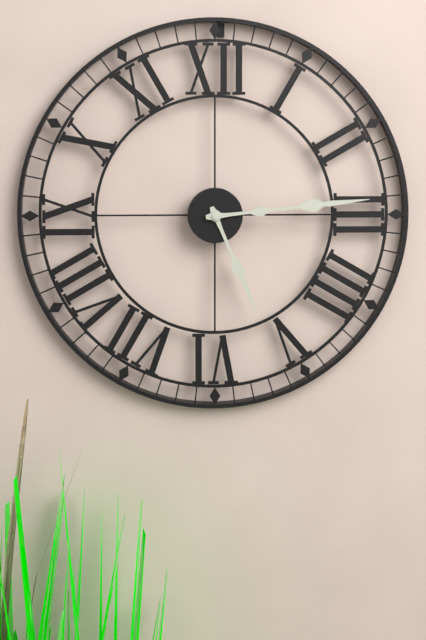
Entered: 5 h 14 min
